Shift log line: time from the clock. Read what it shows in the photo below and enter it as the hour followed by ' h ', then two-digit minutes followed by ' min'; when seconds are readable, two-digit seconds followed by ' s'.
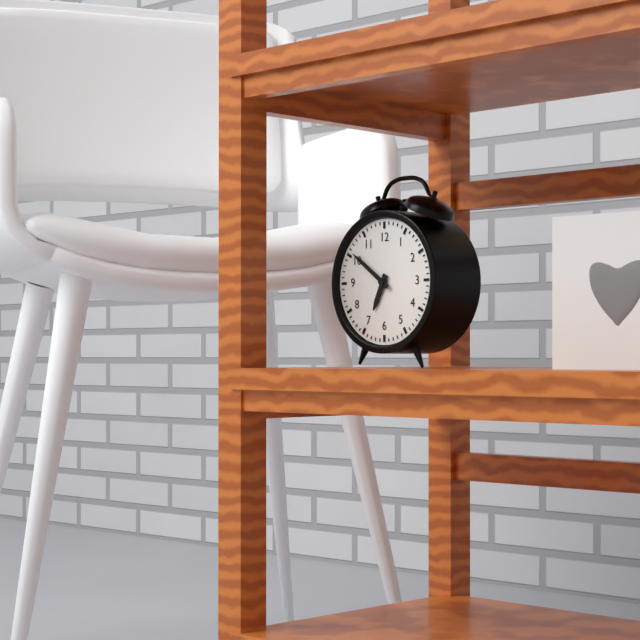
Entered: 6 h 51 min
